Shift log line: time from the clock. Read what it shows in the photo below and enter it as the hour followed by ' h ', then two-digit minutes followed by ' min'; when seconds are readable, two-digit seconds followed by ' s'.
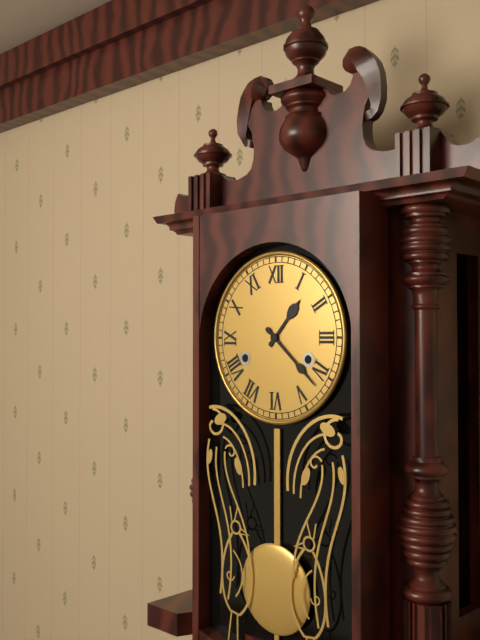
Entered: 1 h 22 min
